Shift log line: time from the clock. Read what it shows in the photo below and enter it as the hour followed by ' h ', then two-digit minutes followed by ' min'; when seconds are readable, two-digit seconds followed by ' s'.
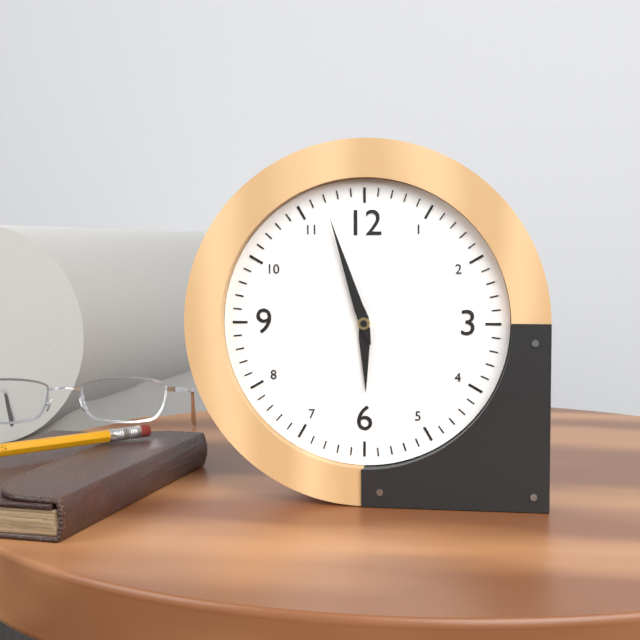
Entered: 5 h 57 min
